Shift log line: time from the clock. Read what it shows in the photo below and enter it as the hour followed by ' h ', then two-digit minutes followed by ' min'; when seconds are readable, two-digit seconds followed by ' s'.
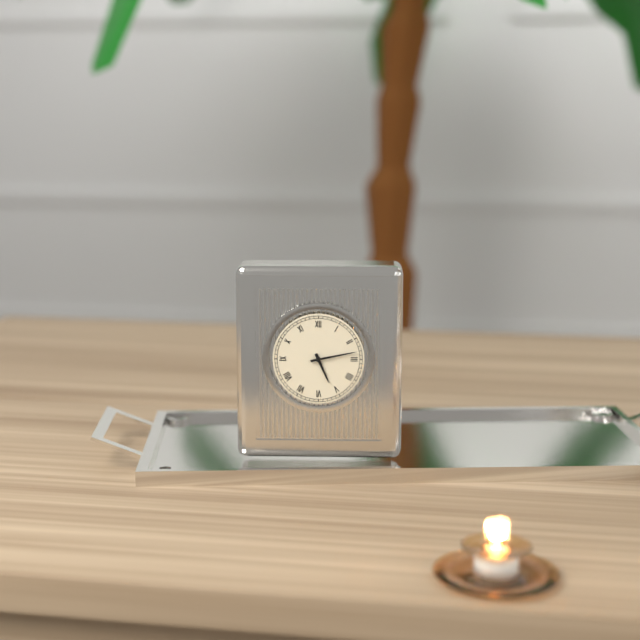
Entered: 5 h 13 min
